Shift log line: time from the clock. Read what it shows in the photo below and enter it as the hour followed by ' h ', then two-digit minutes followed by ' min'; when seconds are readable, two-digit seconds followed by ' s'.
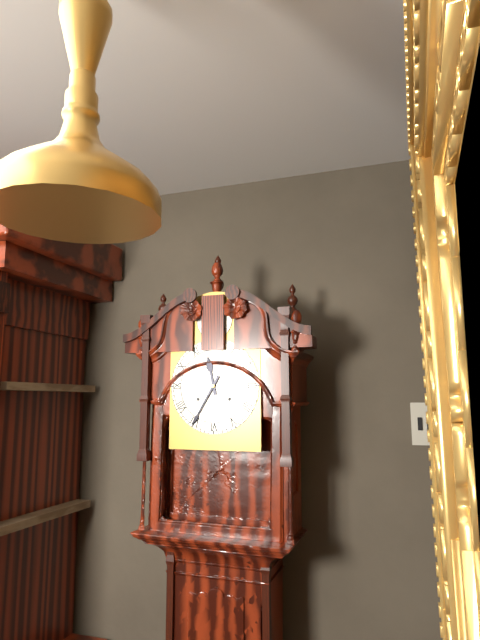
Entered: 11 h 35 min
